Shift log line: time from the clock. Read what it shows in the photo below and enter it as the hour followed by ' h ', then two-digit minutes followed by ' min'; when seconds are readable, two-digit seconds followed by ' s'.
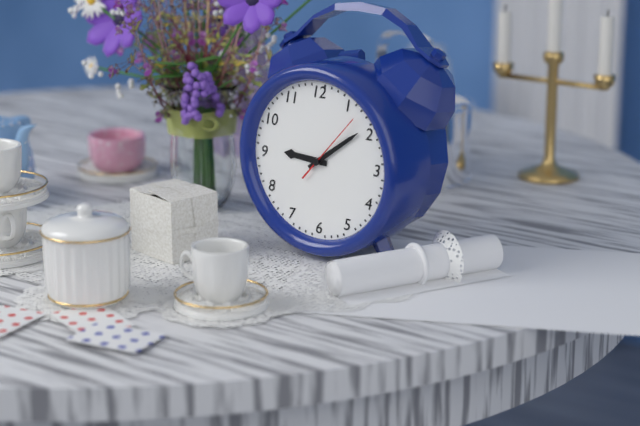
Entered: 9 h 09 min 07 s
